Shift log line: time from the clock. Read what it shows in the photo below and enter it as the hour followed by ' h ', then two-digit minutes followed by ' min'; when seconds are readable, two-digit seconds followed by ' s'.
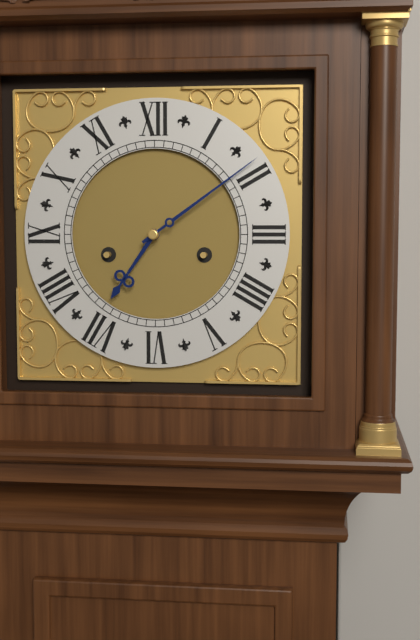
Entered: 7 h 09 min
